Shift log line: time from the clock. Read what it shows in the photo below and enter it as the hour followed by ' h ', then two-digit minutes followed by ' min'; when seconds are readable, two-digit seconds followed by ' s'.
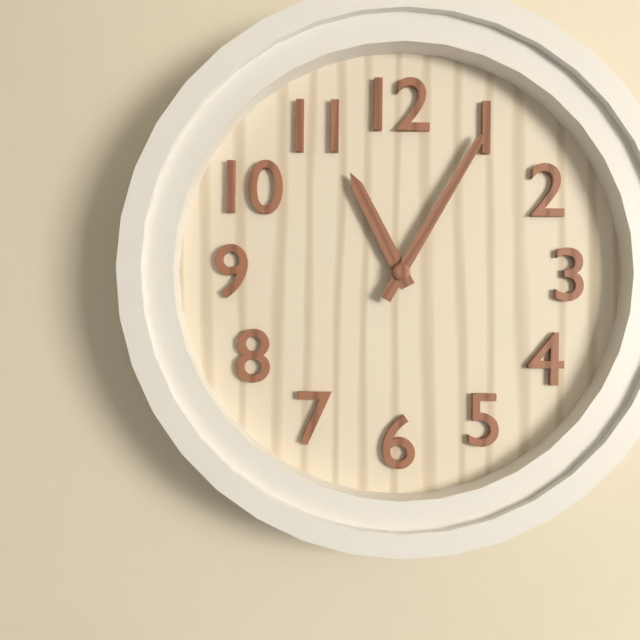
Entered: 11 h 05 min
